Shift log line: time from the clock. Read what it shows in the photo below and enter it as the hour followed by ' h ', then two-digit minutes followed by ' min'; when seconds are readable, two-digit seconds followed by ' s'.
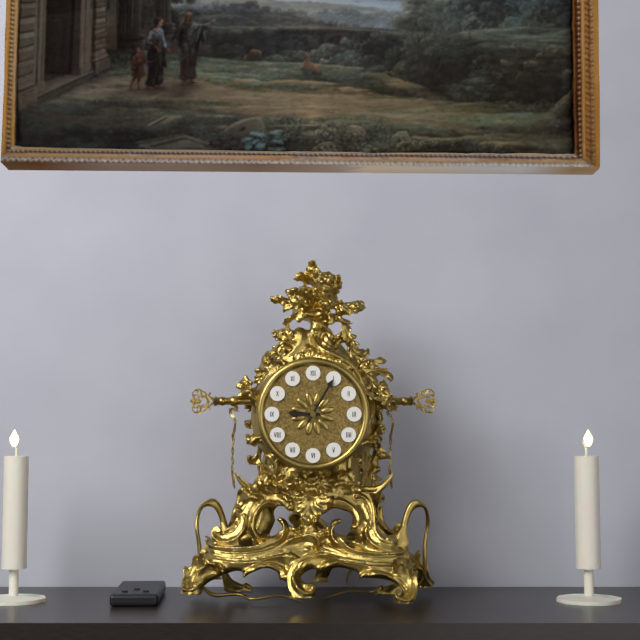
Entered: 9 h 05 min
